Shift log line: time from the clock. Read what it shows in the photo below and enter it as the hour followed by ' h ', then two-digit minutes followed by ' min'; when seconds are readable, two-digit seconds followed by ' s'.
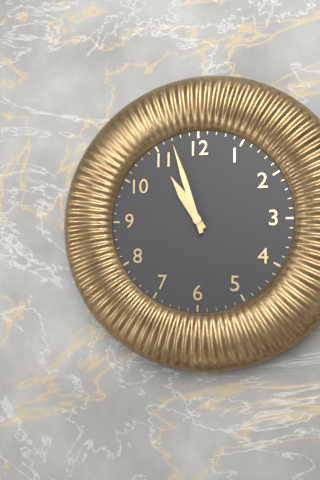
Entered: 10 h 57 min
